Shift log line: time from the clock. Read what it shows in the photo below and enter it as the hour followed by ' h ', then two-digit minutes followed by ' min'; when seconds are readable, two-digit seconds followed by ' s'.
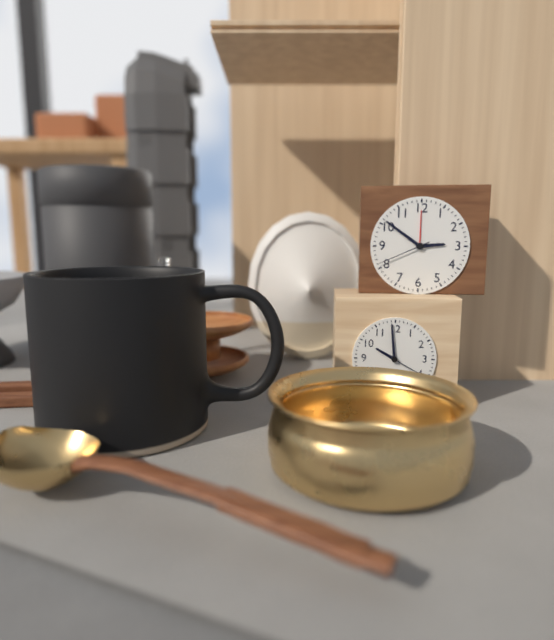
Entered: 2 h 51 min 41 s
